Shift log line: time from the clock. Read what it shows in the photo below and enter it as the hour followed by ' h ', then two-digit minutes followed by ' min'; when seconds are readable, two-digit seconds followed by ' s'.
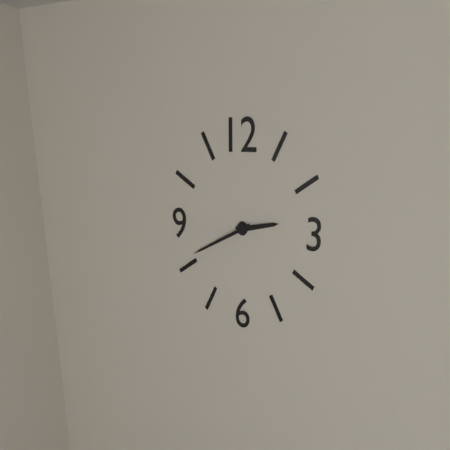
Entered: 2 h 41 min
